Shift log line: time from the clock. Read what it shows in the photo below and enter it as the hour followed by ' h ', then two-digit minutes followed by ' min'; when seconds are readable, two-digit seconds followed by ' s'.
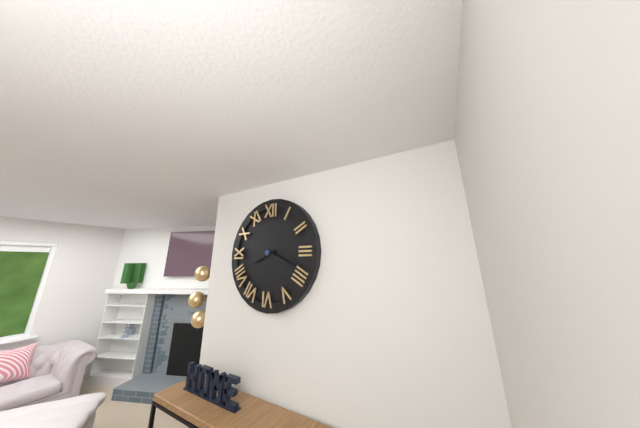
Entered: 8 h 19 min
